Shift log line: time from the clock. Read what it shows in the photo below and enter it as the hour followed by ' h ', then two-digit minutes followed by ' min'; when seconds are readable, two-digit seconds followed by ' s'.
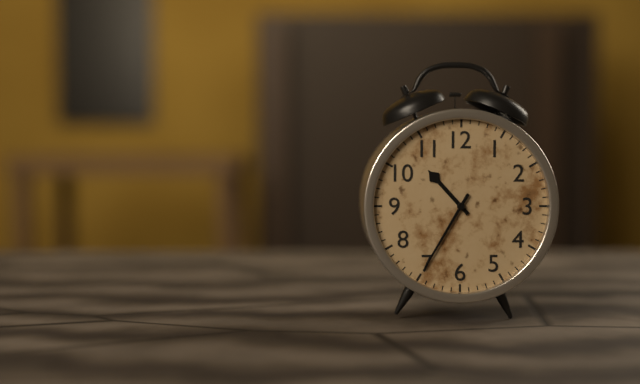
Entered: 10 h 35 min
